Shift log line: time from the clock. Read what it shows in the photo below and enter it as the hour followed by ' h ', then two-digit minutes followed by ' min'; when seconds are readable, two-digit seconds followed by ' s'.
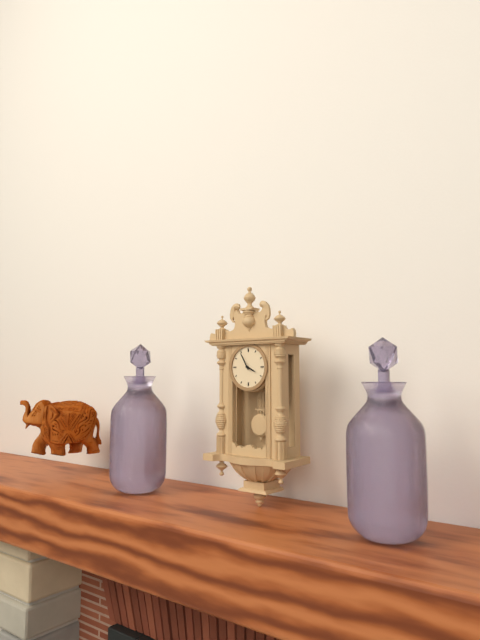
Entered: 3 h 55 min
